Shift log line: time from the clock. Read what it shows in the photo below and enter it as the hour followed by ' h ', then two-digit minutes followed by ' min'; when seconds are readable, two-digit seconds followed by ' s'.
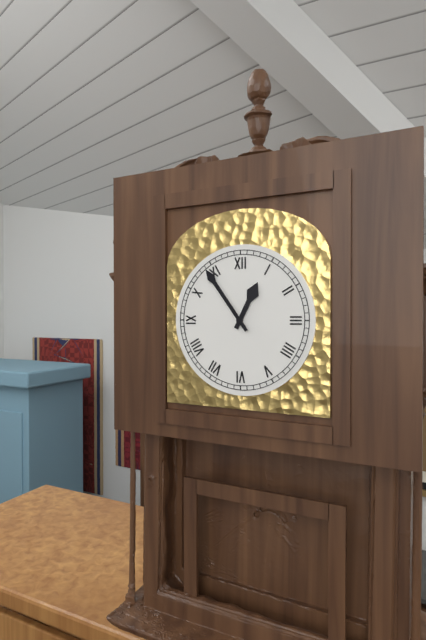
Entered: 12 h 54 min
